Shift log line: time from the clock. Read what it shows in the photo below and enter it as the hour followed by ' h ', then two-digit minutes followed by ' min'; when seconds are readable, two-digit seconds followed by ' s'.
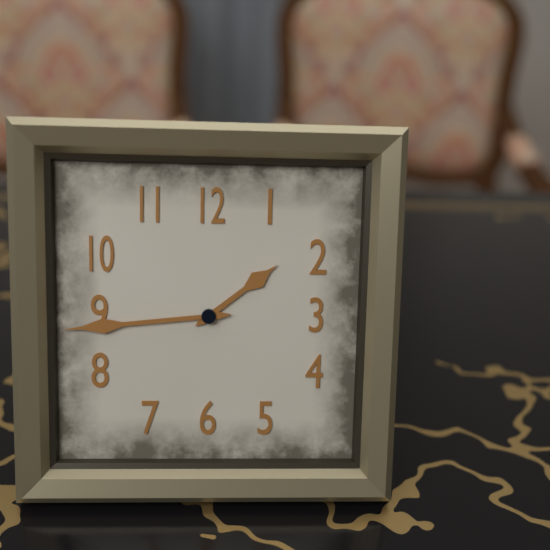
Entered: 1 h 44 min
